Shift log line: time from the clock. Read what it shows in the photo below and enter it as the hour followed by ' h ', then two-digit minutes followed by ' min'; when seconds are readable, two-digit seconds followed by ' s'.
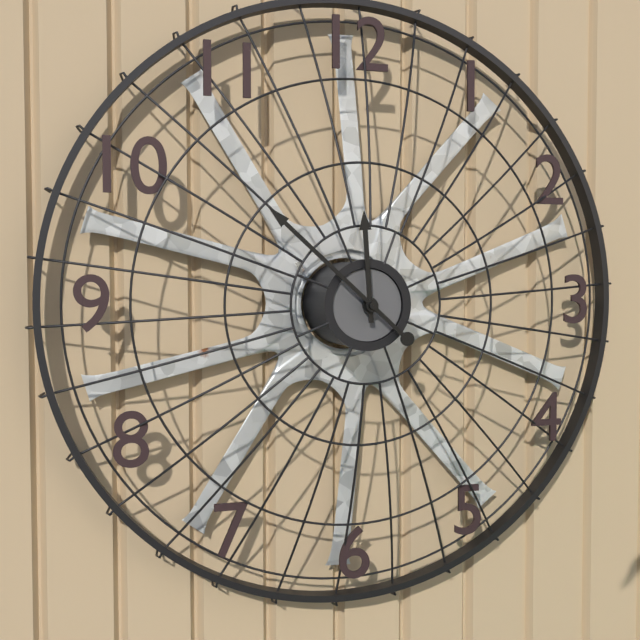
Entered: 11 h 52 min
